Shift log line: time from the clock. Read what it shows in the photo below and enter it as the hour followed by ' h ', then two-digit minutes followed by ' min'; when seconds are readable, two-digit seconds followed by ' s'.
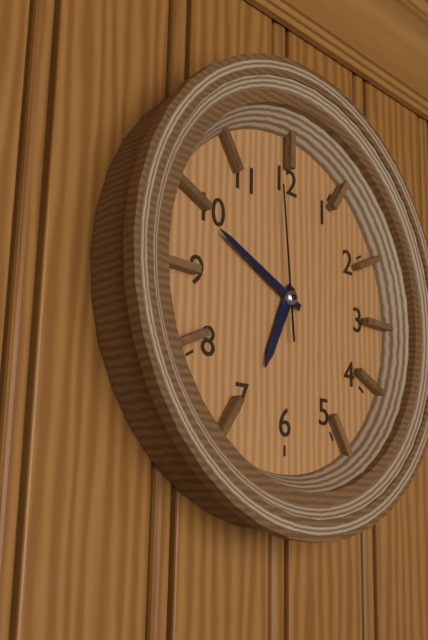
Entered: 6 h 49 min 59 s
